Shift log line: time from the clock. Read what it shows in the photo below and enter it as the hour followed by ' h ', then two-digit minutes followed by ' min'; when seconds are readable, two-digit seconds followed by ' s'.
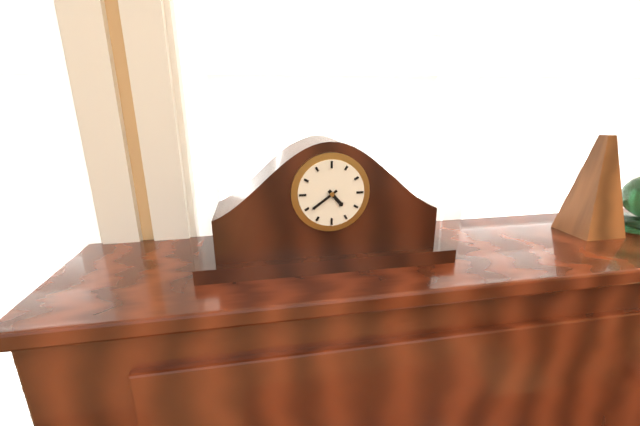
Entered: 4 h 39 min
